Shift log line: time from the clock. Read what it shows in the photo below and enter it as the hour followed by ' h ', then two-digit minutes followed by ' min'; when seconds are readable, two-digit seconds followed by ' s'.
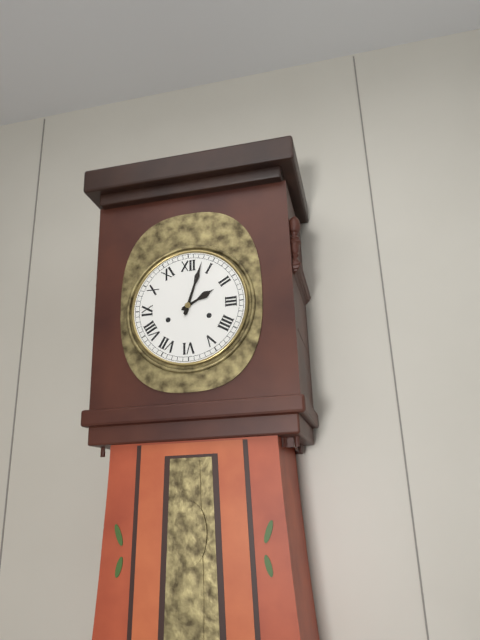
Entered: 2 h 03 min
